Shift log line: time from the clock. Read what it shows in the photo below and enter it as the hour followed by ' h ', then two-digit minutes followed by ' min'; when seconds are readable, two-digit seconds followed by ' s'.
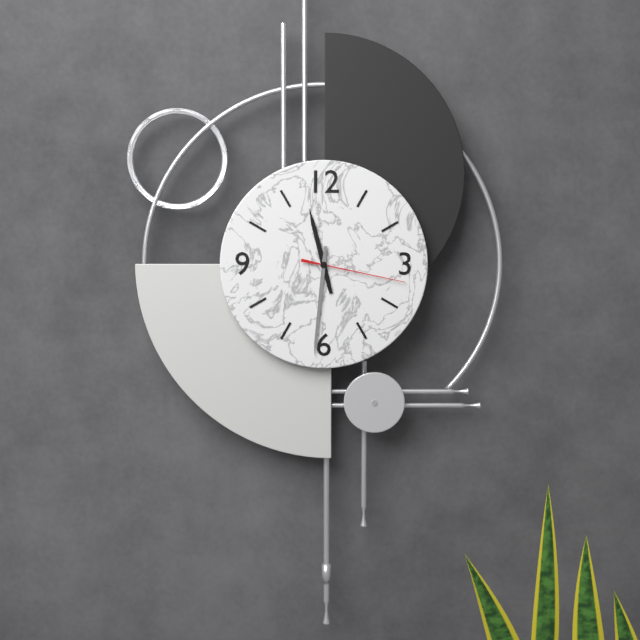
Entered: 11 h 31 min 17 s
